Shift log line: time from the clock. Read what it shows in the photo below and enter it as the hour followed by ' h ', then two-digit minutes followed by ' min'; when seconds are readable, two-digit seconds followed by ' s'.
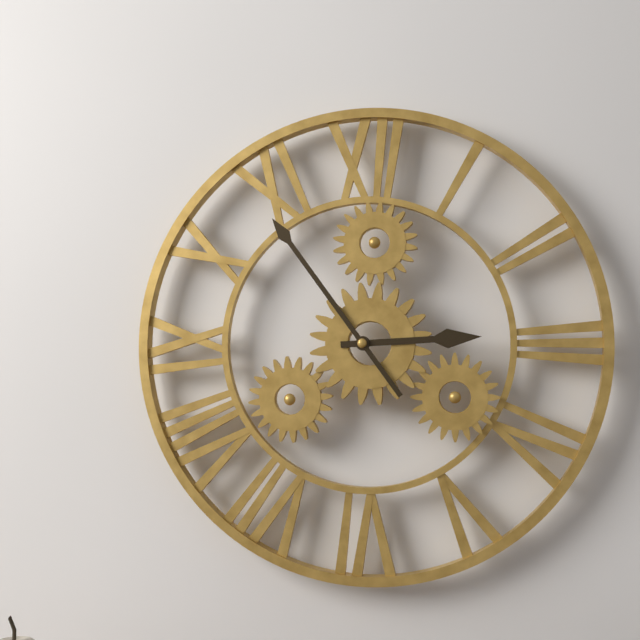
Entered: 2 h 54 min
